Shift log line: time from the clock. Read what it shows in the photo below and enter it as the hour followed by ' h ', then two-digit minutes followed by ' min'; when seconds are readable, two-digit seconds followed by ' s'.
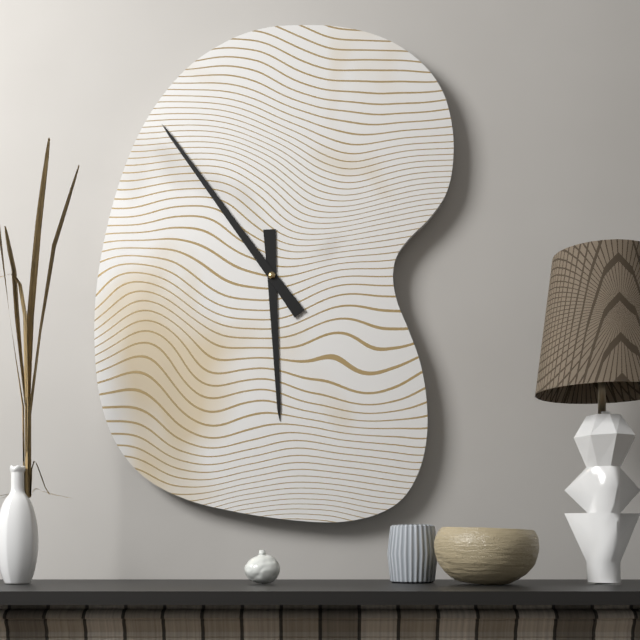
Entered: 5 h 54 min
